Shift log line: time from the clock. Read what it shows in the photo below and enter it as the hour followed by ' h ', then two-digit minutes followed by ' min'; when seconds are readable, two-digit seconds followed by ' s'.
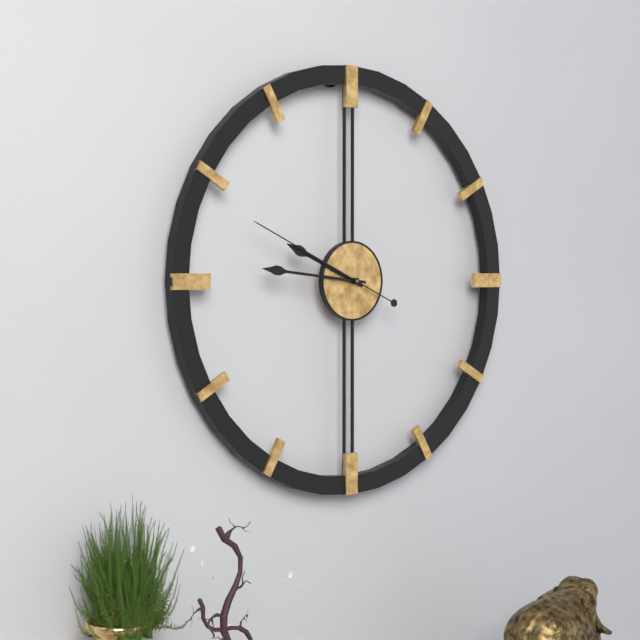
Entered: 9 h 46 min 49 s
